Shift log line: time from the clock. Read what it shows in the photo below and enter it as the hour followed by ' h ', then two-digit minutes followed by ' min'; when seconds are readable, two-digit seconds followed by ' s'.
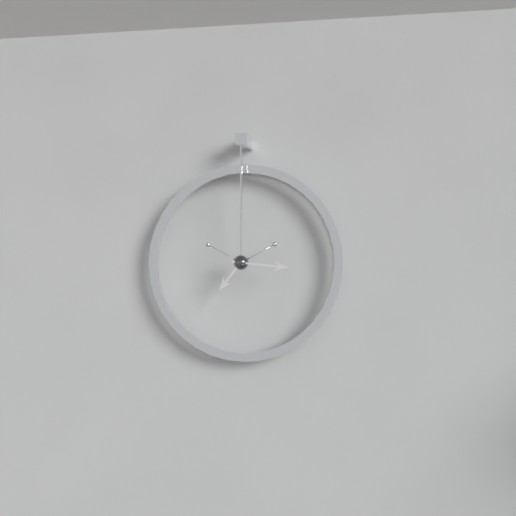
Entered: 7 h 16 min
